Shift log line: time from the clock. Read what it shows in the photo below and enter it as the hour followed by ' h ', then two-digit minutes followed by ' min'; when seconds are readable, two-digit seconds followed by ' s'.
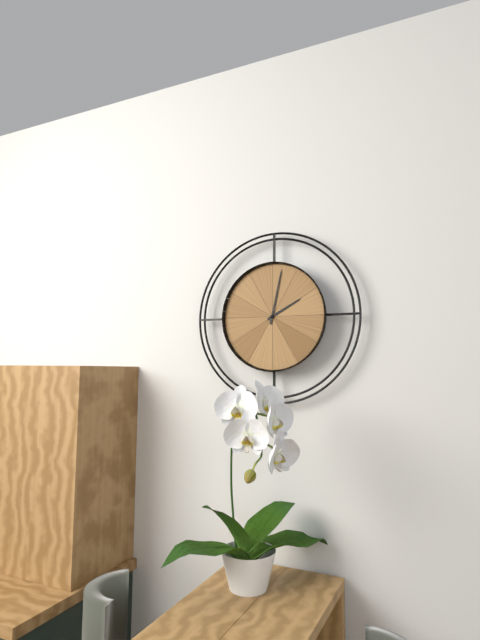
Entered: 2 h 02 min
